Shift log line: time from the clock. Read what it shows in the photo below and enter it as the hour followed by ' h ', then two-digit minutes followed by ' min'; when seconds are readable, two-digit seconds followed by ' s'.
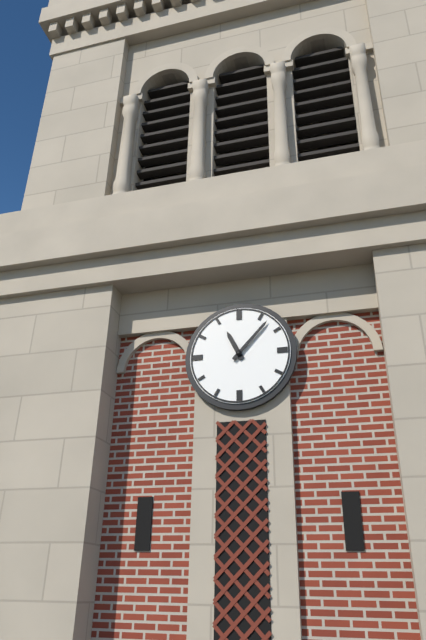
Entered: 11 h 07 min
